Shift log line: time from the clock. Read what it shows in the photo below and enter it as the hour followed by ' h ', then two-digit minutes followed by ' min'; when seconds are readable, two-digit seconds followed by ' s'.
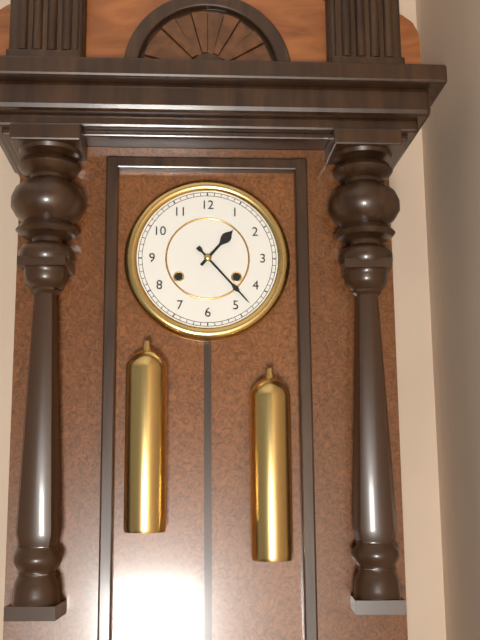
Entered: 1 h 23 min
